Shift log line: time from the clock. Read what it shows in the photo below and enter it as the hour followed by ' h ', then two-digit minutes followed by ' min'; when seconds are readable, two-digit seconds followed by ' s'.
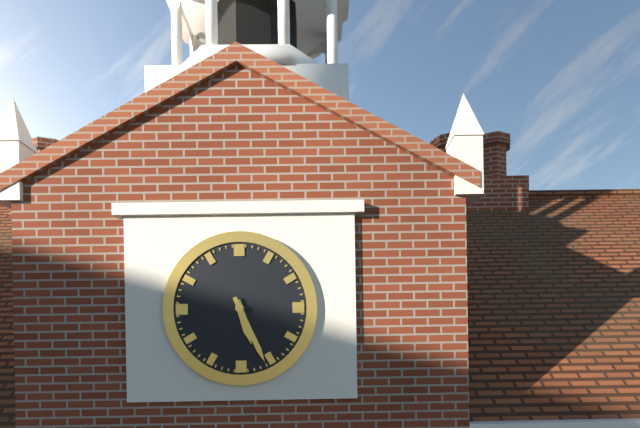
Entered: 5 h 26 min
